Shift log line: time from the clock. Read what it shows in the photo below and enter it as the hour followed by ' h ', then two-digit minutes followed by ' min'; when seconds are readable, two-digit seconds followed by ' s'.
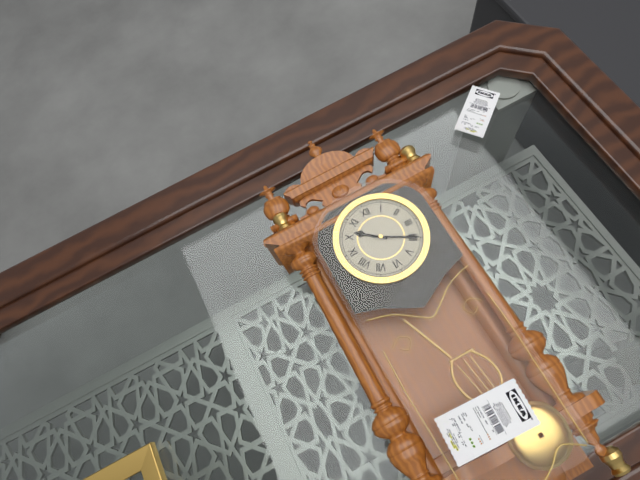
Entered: 10 h 20 min
